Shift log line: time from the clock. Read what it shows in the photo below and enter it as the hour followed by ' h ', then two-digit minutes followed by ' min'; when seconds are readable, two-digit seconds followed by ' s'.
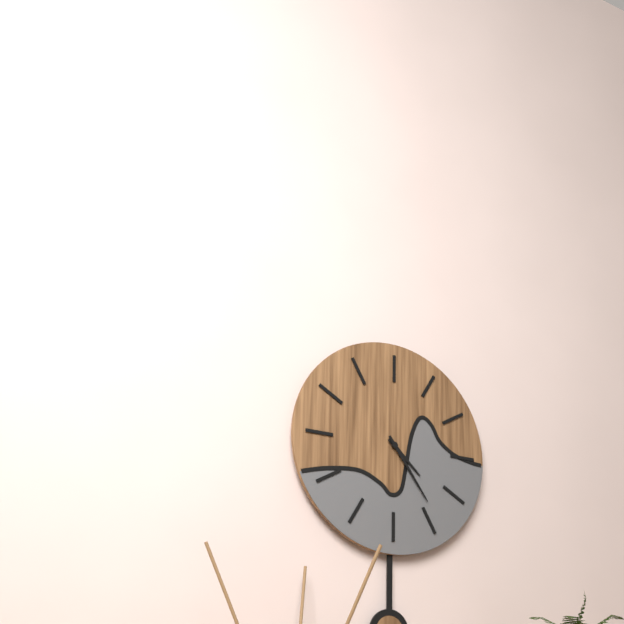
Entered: 4 h 24 min
